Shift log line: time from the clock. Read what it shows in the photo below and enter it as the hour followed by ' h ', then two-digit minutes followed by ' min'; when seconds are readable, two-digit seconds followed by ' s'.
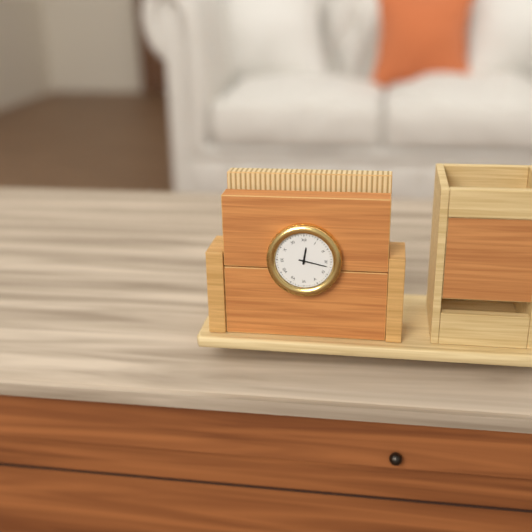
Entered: 12 h 17 min
